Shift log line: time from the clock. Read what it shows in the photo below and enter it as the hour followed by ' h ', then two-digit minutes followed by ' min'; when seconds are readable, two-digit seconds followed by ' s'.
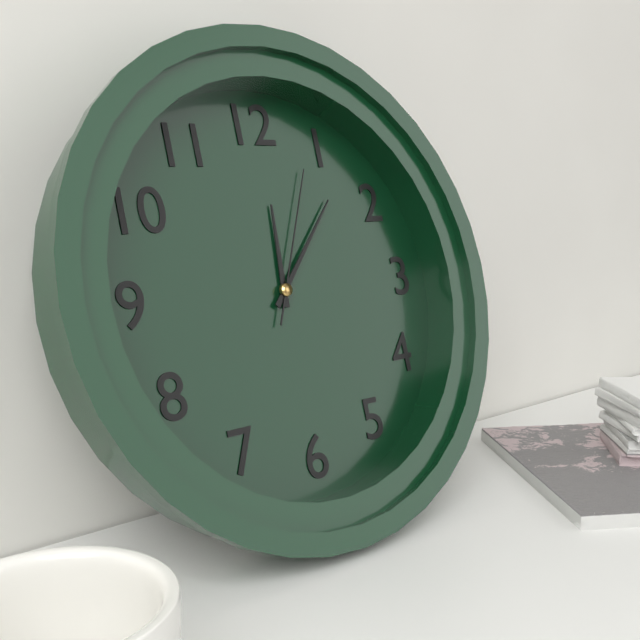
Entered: 12 h 07 min 04 s
